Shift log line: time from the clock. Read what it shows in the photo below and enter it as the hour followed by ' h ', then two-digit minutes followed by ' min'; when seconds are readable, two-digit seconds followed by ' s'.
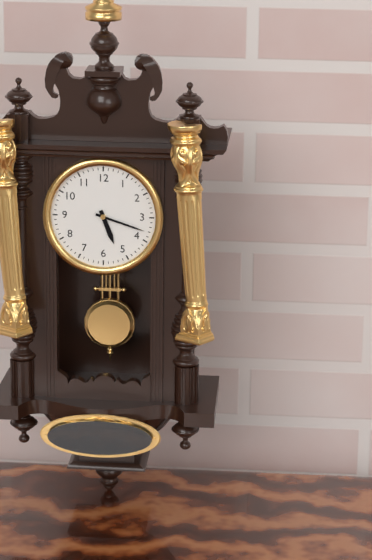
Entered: 5 h 18 min
